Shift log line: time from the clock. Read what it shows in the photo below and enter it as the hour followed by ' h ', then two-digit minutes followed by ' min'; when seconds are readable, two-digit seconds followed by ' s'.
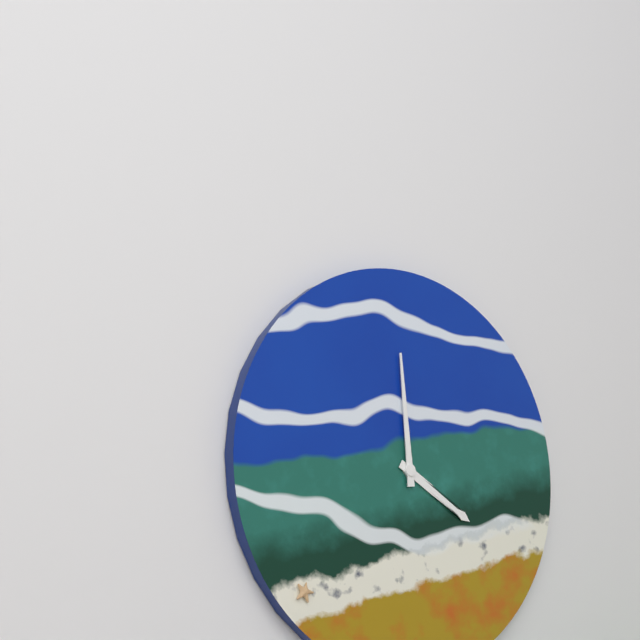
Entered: 3 h 59 min
